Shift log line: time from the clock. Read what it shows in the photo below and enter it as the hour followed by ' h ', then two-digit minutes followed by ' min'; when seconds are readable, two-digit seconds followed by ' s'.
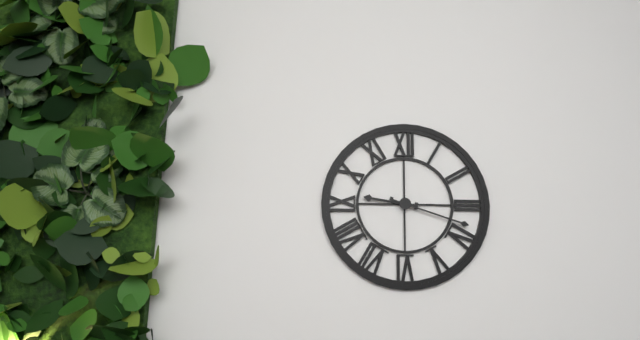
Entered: 9 h 18 min
